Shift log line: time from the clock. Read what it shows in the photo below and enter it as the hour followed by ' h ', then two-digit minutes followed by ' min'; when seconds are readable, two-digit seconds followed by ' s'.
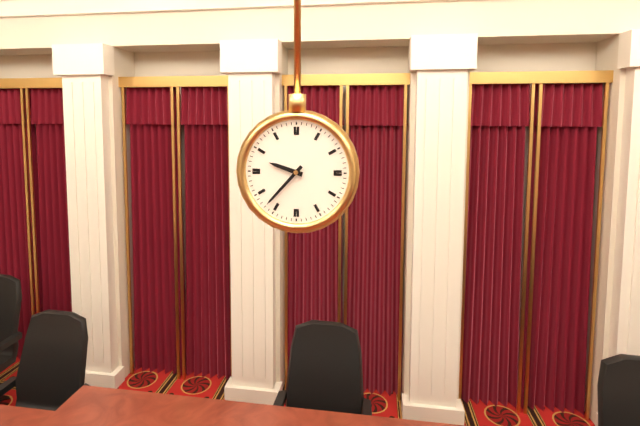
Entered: 9 h 37 min
